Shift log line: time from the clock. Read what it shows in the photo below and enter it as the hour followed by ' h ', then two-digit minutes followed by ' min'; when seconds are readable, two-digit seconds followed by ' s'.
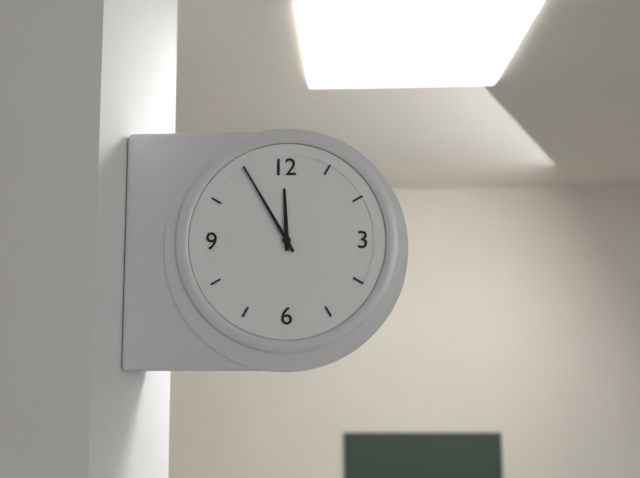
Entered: 11 h 55 min
